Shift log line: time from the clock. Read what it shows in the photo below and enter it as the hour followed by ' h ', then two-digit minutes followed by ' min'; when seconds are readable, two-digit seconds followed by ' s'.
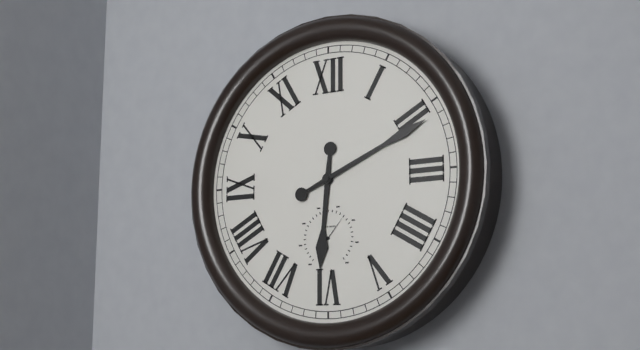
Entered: 6 h 11 min
